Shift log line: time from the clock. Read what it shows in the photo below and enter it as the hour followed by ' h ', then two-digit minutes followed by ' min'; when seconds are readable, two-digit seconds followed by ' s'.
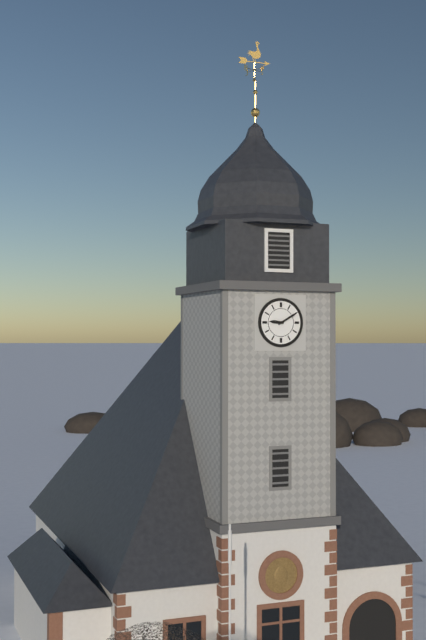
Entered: 9 h 10 min
